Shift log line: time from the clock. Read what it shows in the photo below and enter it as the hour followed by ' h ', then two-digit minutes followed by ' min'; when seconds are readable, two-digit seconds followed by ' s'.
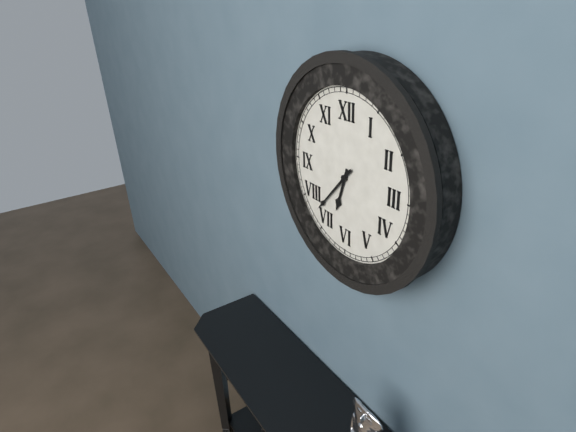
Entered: 6 h 37 min
